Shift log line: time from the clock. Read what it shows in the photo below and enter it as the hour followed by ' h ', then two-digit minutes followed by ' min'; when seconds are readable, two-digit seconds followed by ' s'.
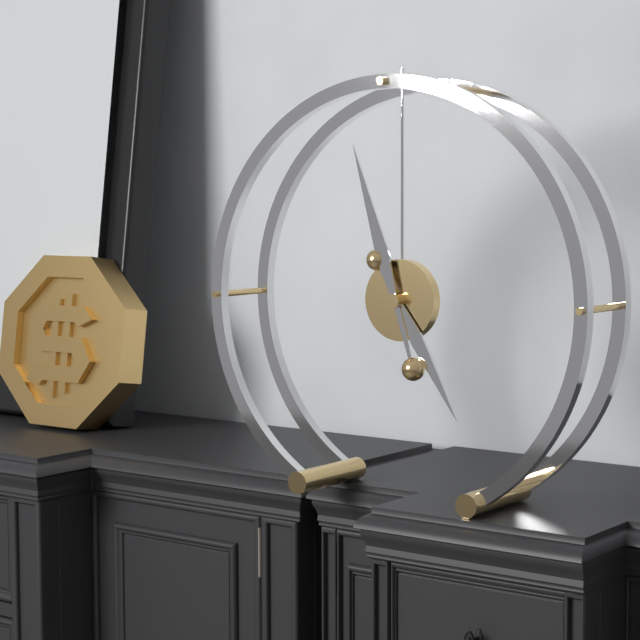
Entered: 4 h 57 min
